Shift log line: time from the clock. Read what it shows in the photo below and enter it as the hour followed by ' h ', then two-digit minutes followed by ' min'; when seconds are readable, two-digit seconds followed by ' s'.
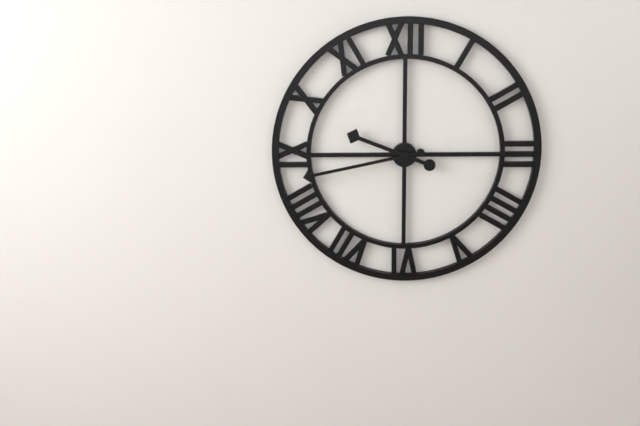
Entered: 9 h 43 min
